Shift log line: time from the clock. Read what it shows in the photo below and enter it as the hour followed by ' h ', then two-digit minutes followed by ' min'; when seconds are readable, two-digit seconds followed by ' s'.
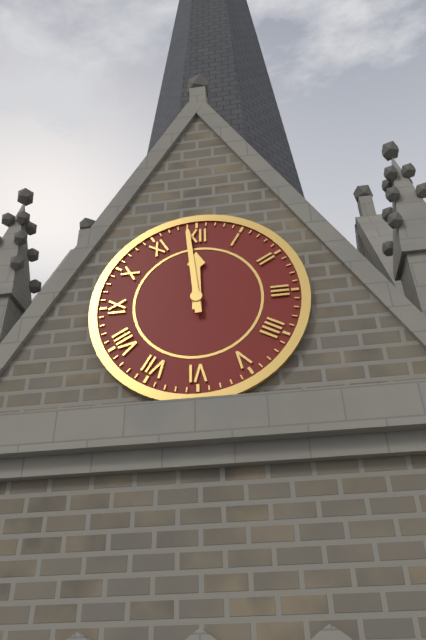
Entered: 11 h 59 min
